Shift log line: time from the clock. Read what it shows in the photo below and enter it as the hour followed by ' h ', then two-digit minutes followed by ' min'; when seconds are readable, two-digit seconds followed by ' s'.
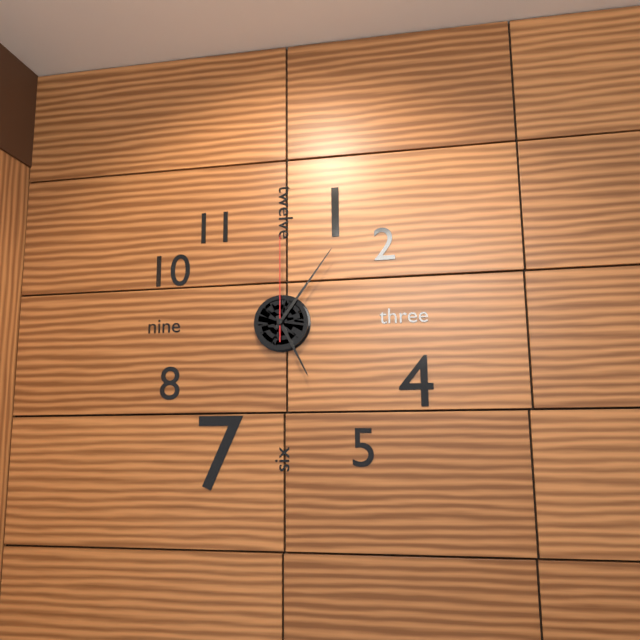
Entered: 5 h 06 min 00 s
